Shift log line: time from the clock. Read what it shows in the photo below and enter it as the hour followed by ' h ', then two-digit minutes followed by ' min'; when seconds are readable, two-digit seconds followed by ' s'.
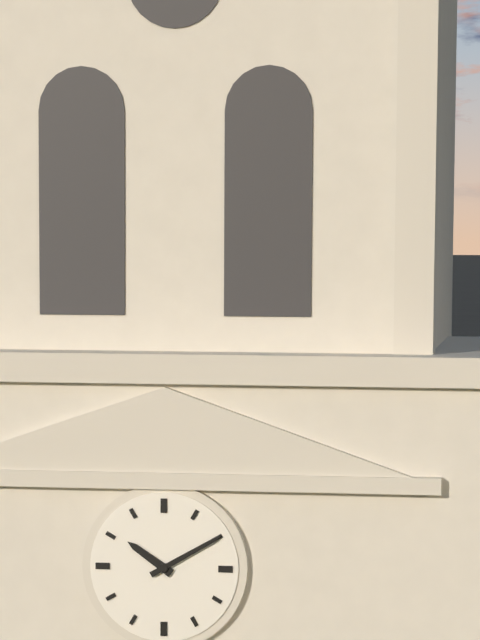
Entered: 10 h 10 min
